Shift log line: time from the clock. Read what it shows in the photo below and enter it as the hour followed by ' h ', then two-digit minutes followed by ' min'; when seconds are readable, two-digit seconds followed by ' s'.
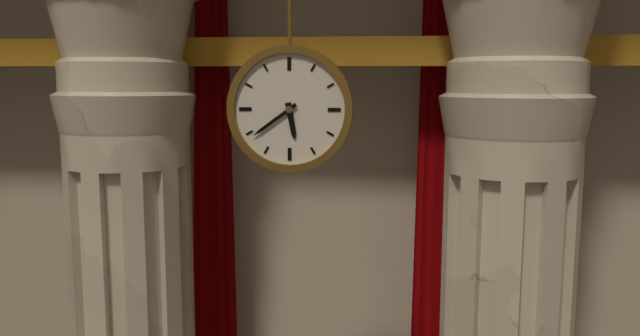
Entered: 5 h 39 min
